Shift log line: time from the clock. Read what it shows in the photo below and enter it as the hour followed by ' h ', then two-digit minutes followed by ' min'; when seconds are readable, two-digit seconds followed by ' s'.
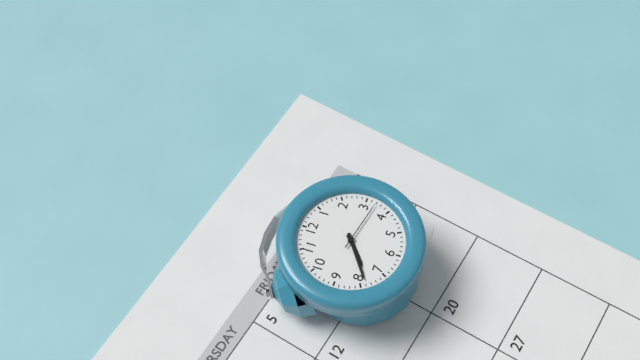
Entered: 7 h 39 min 17 s
